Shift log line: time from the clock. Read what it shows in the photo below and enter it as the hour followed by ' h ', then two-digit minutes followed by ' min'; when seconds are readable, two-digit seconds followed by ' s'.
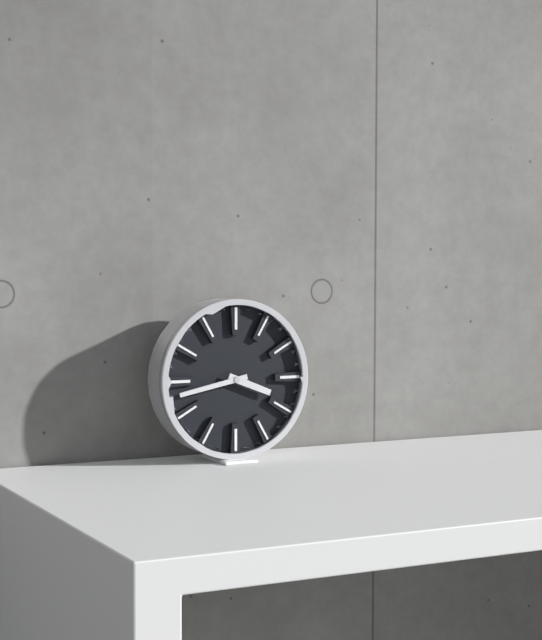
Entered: 3 h 43 min
